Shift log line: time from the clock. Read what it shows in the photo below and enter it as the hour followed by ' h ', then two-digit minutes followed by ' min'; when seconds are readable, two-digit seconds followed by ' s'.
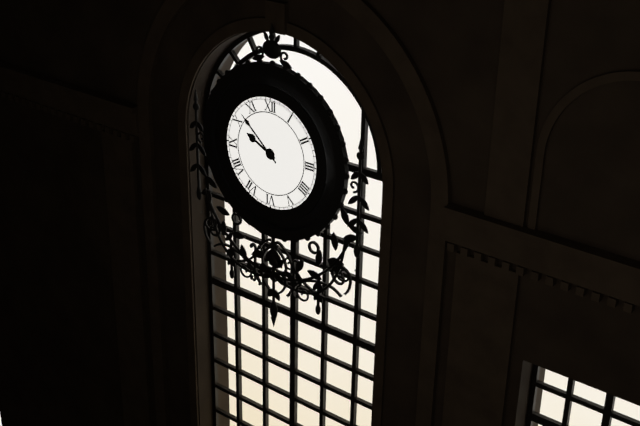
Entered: 9 h 52 min
